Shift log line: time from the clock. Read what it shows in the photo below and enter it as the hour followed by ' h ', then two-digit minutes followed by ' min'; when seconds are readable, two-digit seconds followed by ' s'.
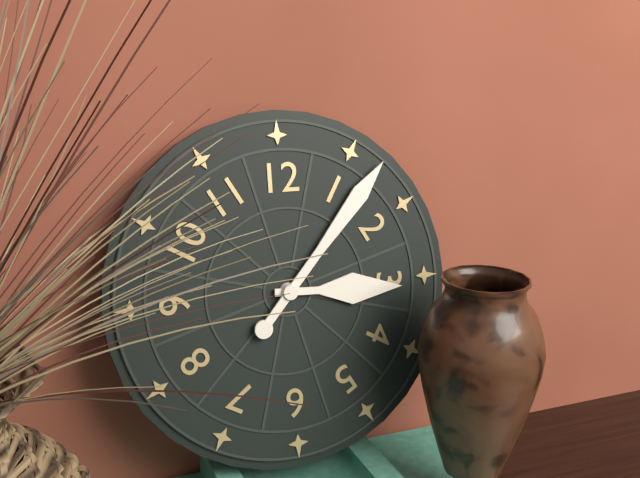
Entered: 3 h 07 min
